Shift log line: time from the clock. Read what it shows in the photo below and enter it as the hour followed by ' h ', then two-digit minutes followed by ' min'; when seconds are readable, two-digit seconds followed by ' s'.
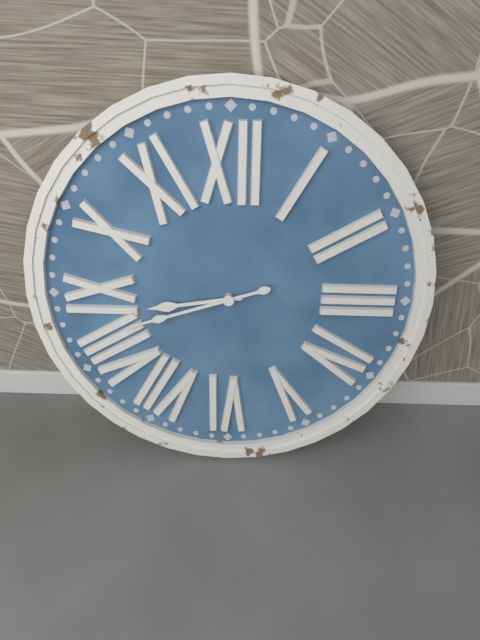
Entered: 8 h 42 min
